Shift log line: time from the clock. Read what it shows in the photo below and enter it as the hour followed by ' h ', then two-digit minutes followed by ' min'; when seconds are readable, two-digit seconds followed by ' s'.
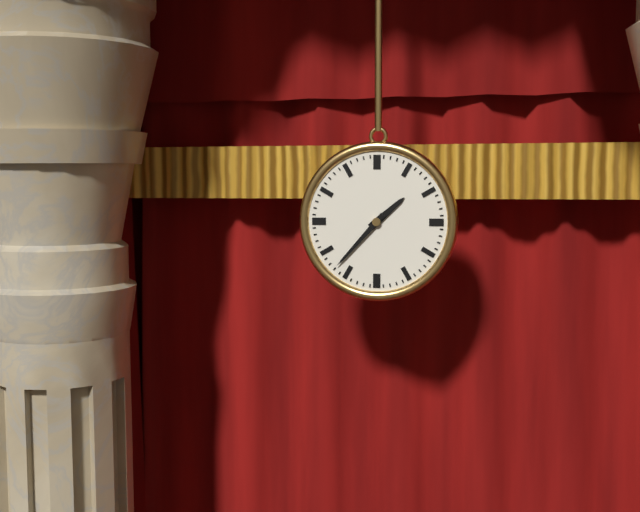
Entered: 1 h 37 min
